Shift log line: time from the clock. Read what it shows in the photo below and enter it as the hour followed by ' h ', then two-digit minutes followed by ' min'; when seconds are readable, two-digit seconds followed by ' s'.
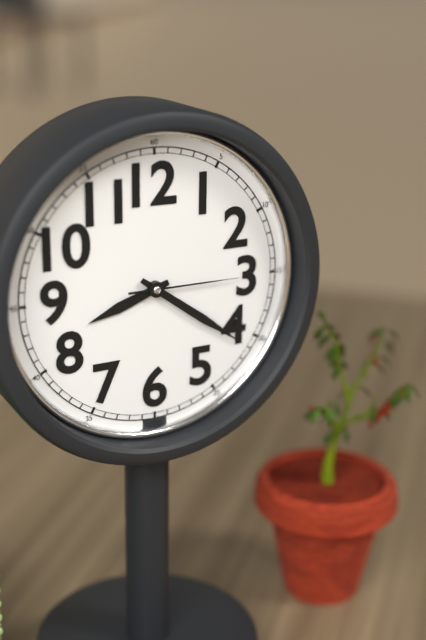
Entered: 8 h 21 min 15 s
